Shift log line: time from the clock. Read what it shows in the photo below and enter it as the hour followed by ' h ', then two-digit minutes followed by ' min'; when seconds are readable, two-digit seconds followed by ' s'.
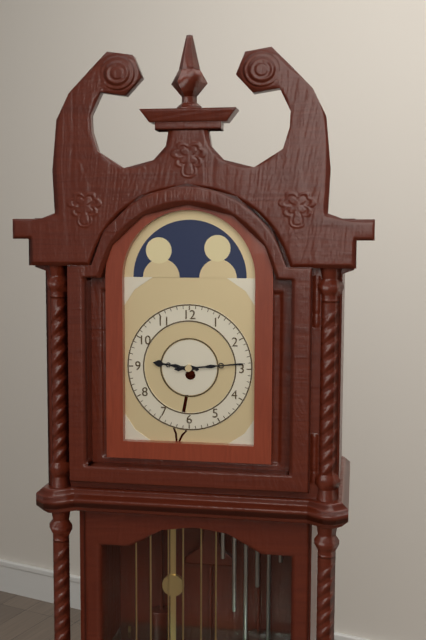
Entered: 9 h 14 min
